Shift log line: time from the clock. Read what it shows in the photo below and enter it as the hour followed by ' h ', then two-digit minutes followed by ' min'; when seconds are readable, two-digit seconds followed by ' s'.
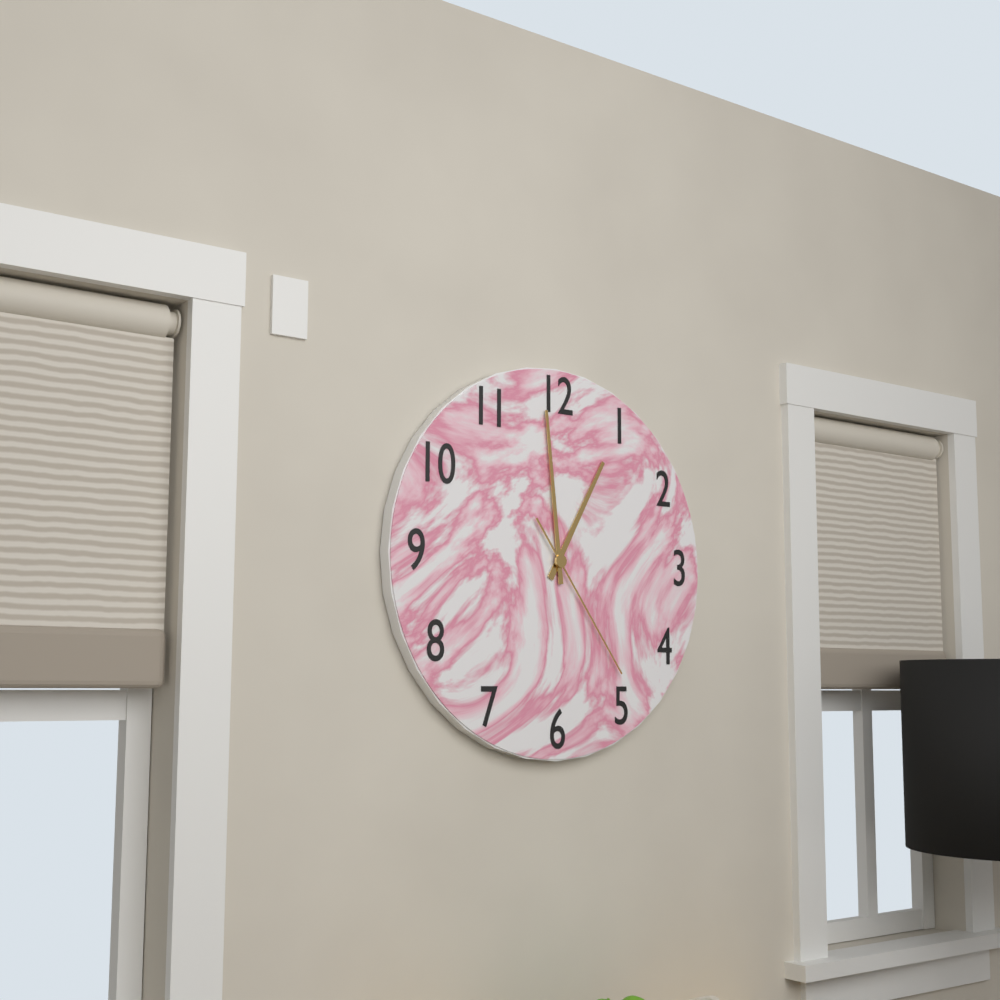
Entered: 12 h 59 min 24 s
